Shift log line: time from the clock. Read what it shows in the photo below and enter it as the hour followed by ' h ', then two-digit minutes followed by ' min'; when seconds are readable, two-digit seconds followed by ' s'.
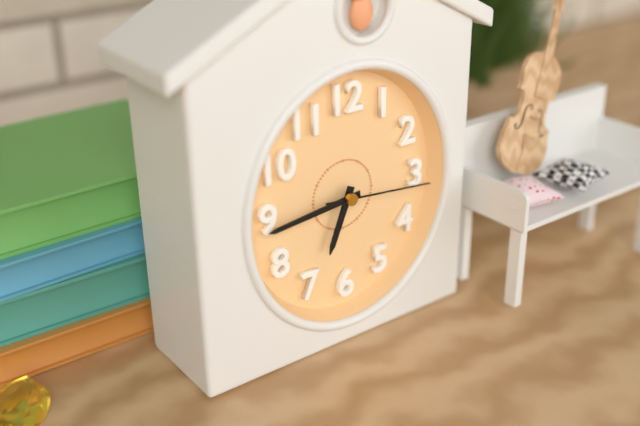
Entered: 6 h 44 min 16 s
